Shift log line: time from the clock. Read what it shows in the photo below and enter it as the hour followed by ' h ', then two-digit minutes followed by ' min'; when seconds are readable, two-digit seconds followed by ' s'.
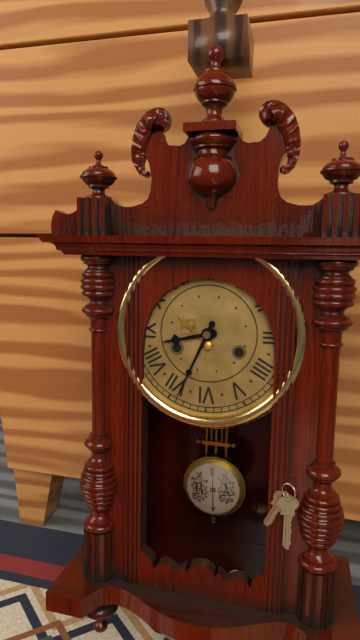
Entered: 8 h 34 min
